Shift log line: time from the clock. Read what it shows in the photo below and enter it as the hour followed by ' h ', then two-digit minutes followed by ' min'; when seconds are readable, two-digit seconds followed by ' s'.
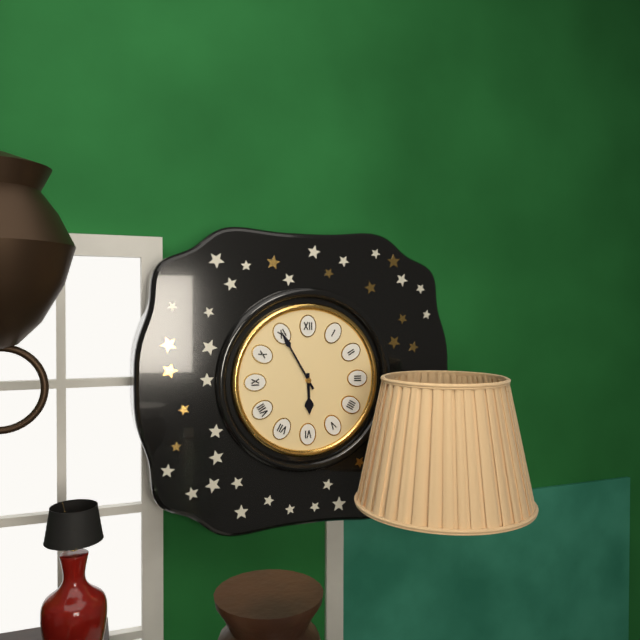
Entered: 5 h 55 min
